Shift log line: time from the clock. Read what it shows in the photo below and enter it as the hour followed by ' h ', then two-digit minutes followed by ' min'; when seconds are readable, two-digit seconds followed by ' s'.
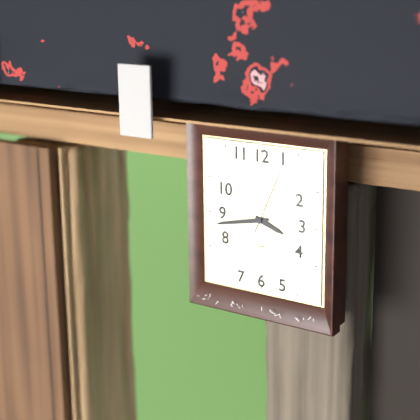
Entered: 3 h 43 min 04 s
